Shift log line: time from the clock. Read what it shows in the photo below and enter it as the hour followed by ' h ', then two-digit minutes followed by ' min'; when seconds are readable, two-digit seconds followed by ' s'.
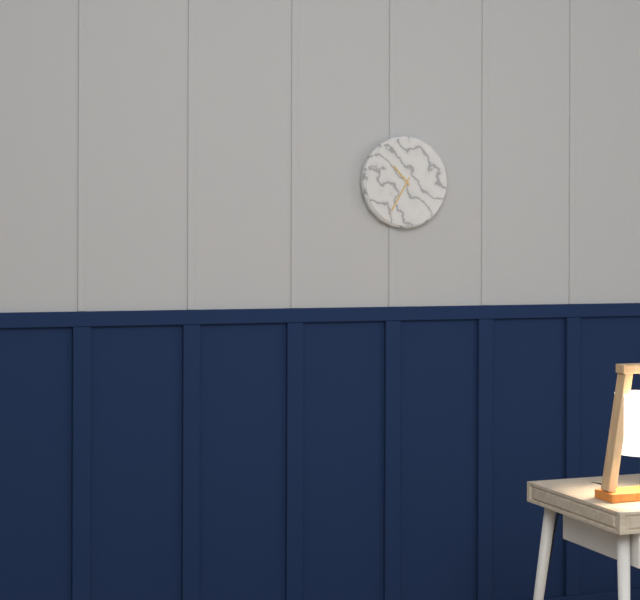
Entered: 10 h 35 min
